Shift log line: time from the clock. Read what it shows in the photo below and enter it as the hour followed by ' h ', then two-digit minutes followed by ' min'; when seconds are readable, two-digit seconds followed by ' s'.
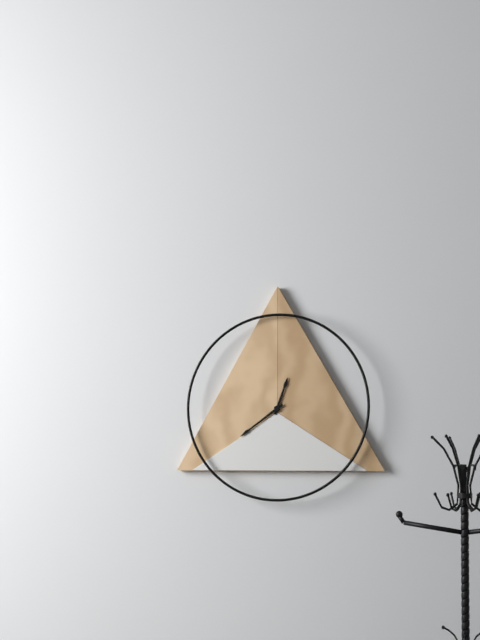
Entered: 12 h 39 min
